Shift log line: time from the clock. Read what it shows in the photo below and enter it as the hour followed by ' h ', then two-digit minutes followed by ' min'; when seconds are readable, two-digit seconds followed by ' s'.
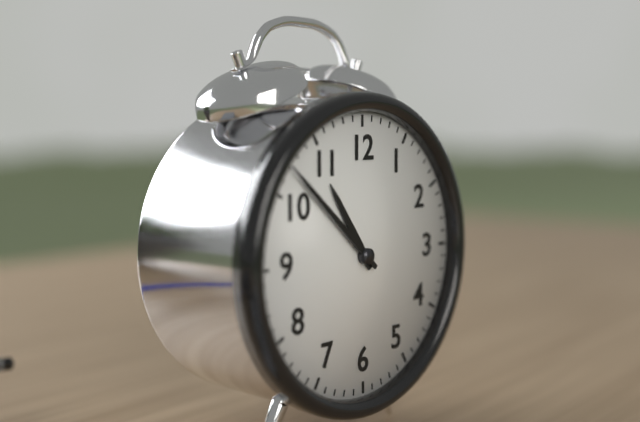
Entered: 10 h 52 min
